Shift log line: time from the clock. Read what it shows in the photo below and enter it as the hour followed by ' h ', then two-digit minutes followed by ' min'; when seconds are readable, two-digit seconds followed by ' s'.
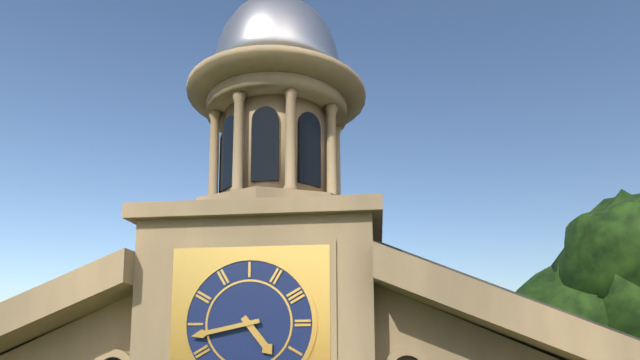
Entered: 4 h 43 min
